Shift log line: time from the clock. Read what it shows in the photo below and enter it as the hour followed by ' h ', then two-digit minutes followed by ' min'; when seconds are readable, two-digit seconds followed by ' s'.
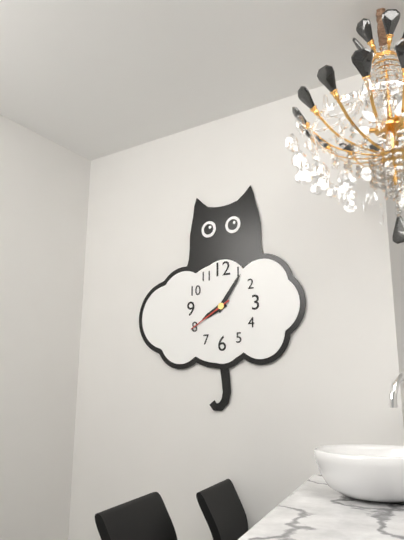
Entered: 8 h 06 min
